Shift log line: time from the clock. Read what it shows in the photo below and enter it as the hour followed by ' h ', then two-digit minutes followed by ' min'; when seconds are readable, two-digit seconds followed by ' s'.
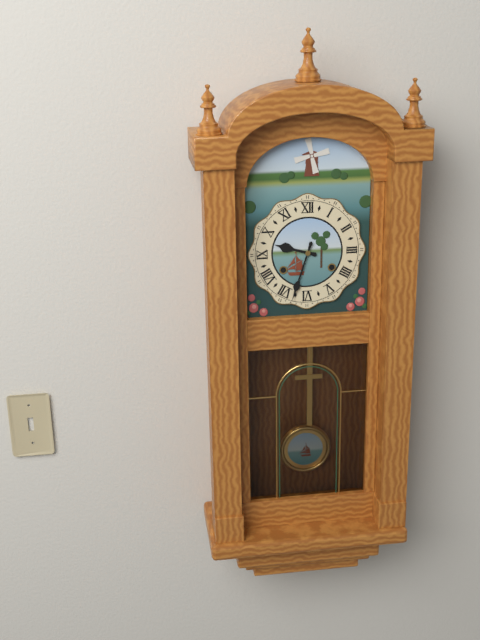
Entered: 9 h 33 min
